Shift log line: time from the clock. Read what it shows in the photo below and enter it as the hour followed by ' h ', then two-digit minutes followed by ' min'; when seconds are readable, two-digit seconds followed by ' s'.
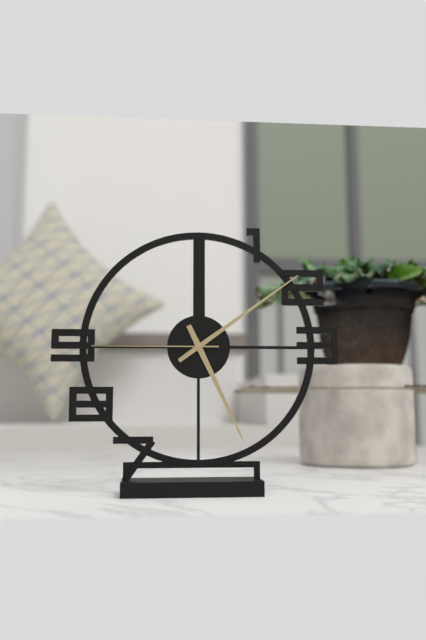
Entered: 5 h 09 min 45 s
